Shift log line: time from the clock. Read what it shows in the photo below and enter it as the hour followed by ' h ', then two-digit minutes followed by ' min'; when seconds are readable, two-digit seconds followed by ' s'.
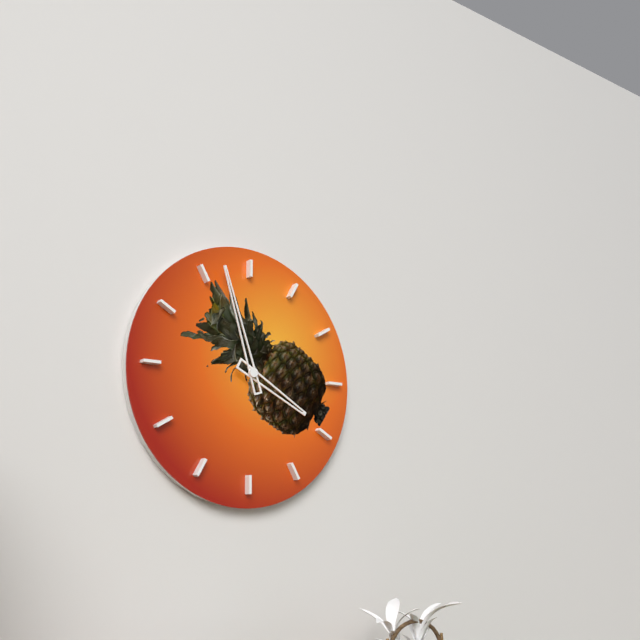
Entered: 3 h 57 min
